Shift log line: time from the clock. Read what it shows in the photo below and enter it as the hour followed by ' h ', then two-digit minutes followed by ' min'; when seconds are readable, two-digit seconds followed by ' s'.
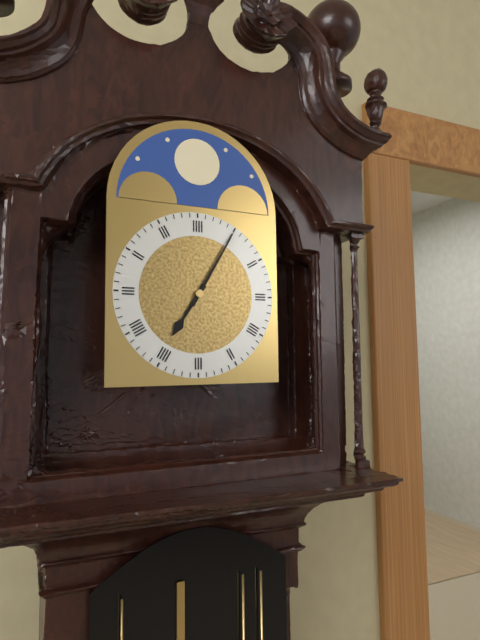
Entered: 7 h 05 min
